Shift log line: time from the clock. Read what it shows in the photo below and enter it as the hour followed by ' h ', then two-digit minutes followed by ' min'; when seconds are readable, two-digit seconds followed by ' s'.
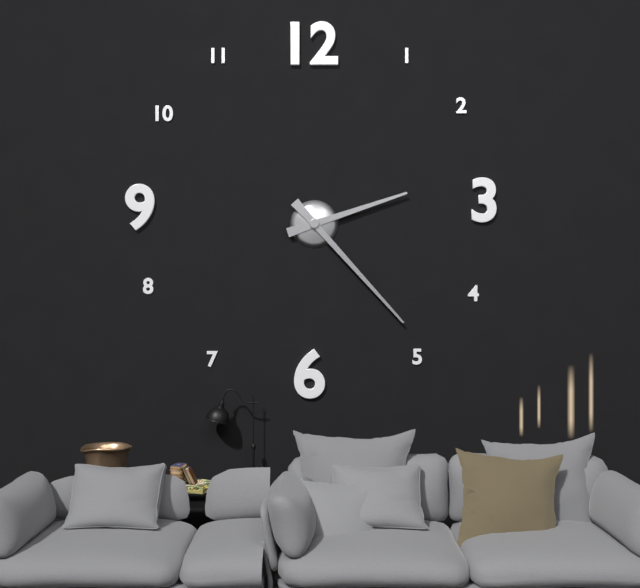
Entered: 2 h 23 min
